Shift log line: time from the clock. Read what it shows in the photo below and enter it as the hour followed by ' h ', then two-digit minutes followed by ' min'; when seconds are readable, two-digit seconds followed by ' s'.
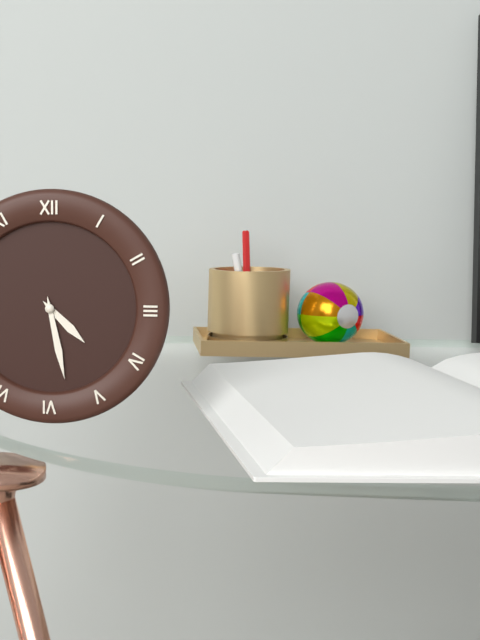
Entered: 4 h 28 min
